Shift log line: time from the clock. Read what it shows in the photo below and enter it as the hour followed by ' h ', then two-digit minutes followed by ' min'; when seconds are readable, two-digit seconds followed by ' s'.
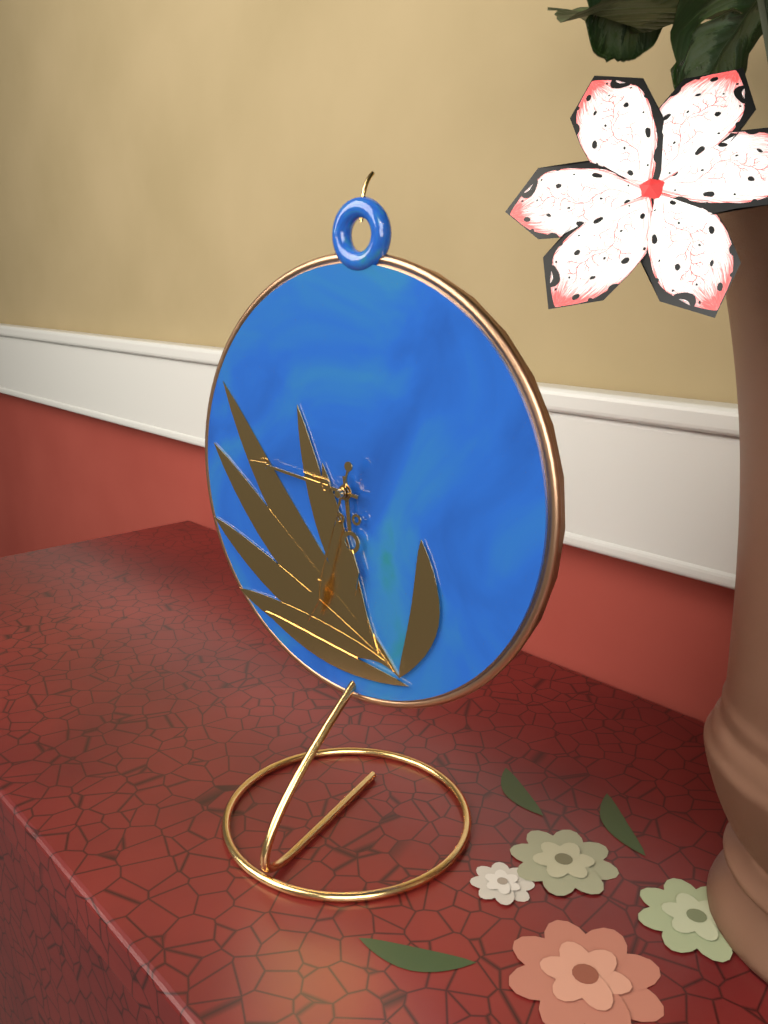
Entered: 5 h 46 min 33 s
